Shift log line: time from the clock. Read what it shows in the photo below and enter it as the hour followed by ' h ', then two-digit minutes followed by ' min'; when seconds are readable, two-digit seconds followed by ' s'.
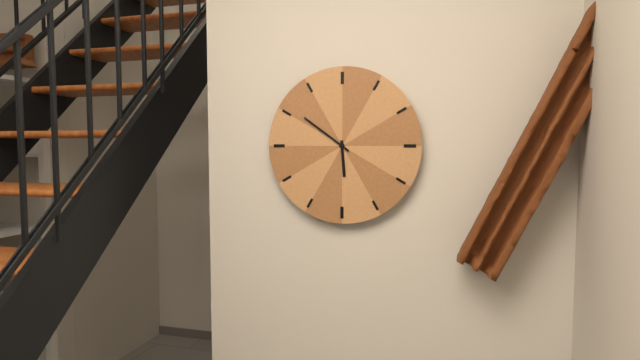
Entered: 5 h 51 min
